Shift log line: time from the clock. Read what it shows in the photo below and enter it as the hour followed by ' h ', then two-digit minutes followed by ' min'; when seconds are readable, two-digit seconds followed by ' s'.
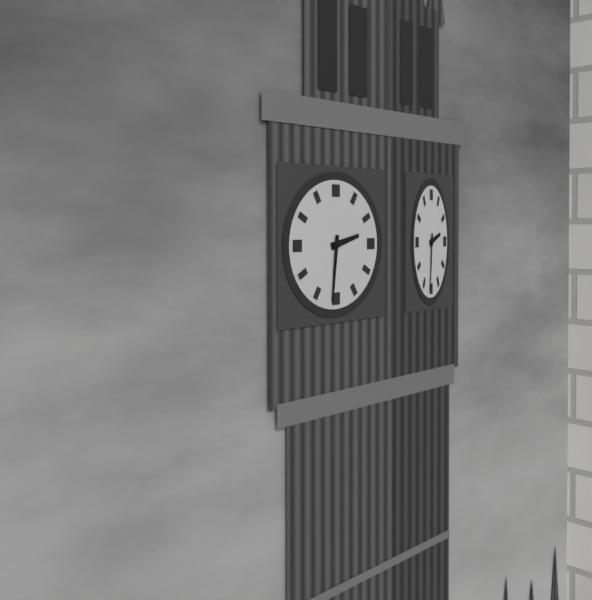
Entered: 2 h 31 min
